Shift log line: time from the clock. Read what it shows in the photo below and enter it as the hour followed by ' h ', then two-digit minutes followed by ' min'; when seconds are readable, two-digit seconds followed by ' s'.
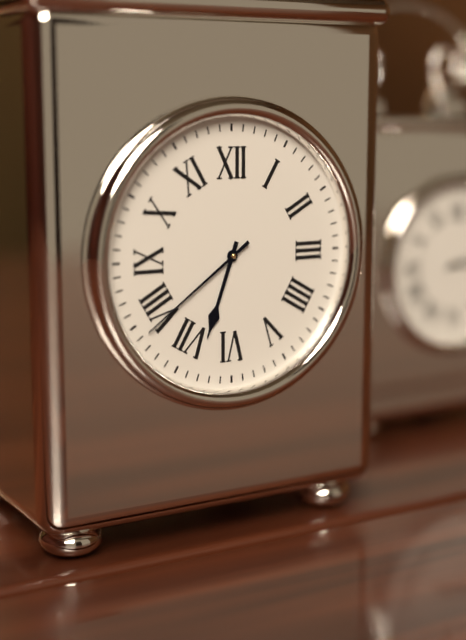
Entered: 6 h 39 min
